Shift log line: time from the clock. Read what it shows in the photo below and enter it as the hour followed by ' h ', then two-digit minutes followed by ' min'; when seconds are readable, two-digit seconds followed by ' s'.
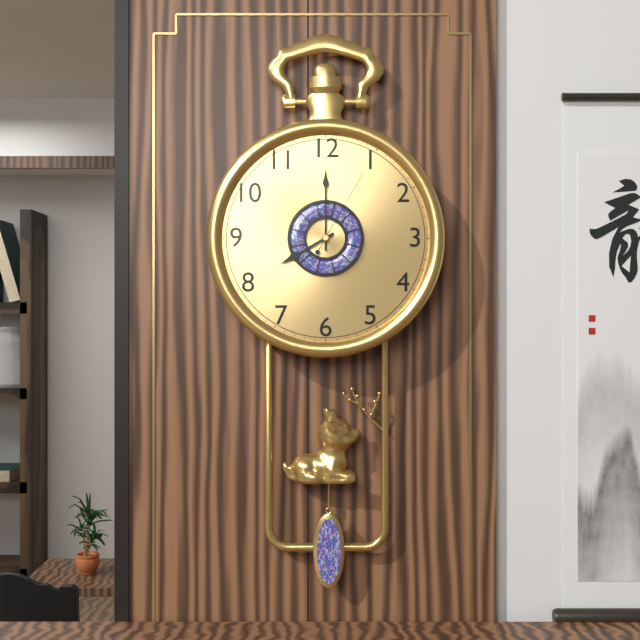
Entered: 8 h 00 min 05 s
